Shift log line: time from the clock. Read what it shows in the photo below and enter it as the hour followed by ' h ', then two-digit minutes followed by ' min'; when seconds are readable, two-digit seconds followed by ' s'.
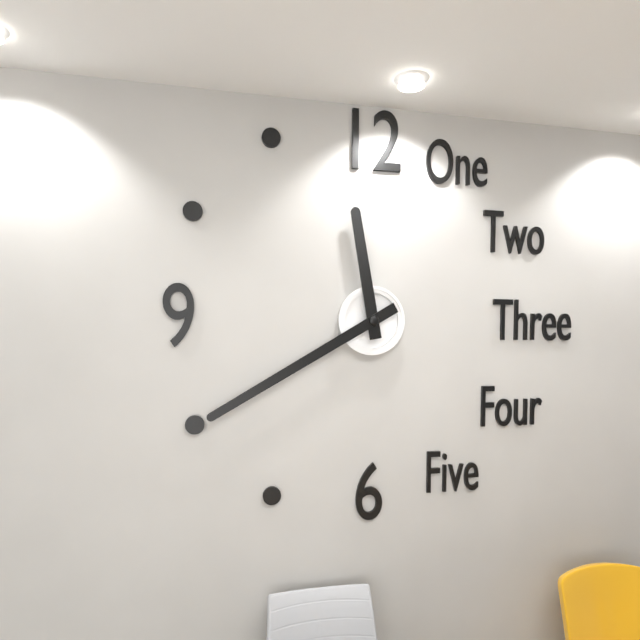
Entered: 11 h 40 min
